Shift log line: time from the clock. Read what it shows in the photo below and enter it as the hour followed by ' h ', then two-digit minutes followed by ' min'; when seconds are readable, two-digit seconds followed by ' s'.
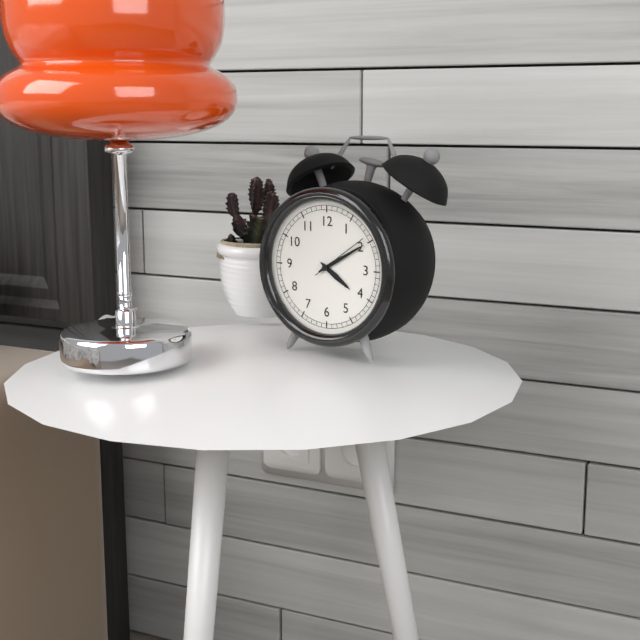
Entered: 4 h 10 min 09 s
